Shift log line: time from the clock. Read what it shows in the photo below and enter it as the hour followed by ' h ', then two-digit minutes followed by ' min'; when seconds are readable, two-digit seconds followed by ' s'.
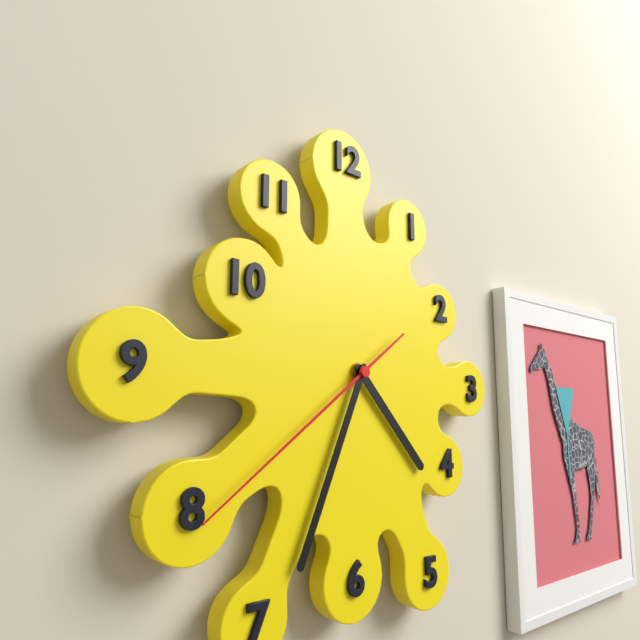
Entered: 4 h 34 min 39 s
